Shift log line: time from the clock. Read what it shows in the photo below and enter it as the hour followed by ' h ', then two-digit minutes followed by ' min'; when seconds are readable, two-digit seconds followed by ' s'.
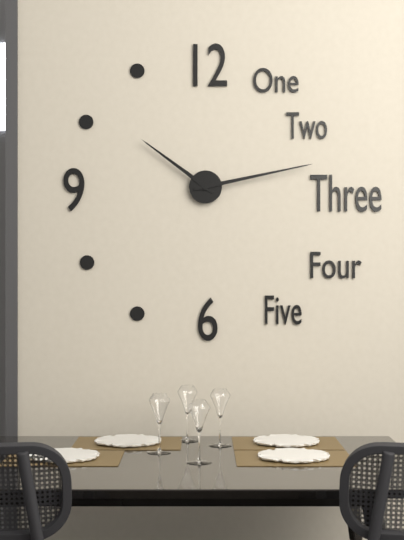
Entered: 10 h 13 min
